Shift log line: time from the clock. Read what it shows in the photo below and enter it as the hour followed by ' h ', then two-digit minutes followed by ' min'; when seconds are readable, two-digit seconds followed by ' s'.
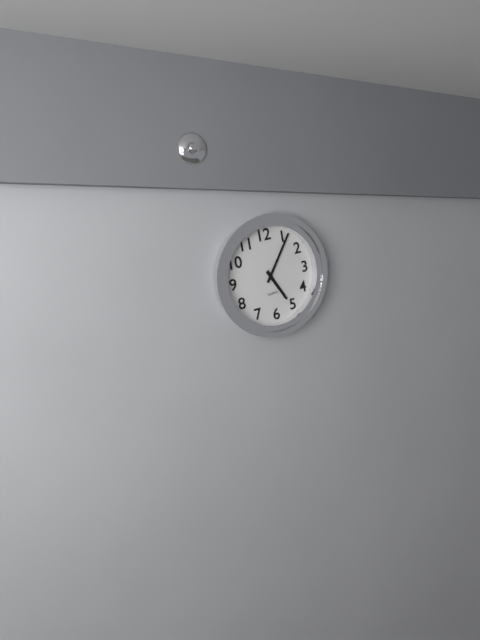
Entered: 5 h 06 min
